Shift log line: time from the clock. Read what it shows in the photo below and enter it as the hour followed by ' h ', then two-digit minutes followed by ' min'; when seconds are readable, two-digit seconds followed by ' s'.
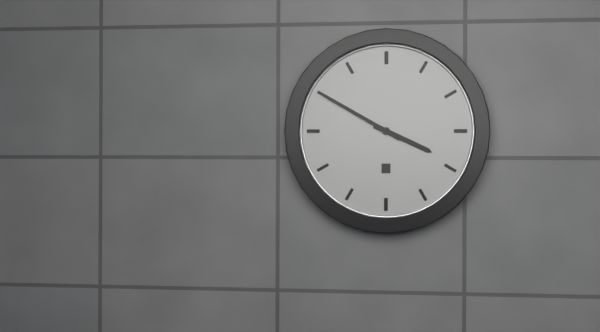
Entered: 3 h 50 min
